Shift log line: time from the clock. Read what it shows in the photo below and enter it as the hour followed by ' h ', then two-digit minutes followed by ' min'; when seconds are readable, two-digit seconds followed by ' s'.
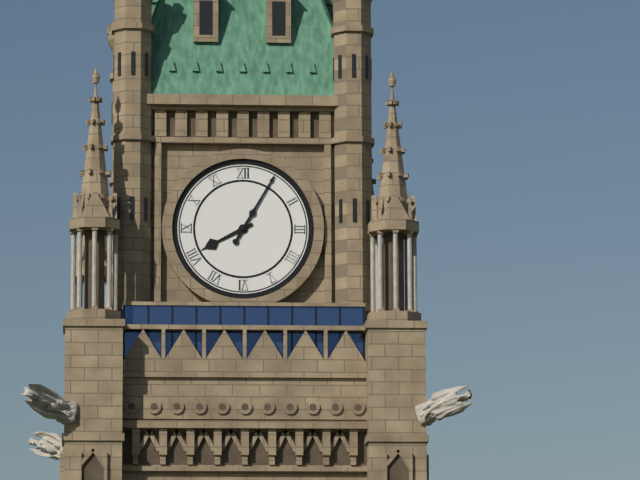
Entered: 8 h 05 min
